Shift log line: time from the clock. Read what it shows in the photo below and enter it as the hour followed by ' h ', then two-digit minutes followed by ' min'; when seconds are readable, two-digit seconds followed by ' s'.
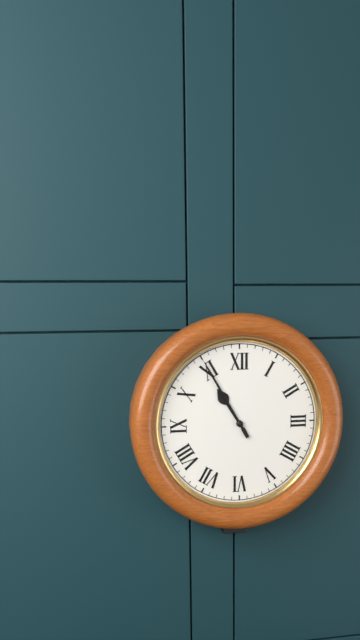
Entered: 10 h 55 min
